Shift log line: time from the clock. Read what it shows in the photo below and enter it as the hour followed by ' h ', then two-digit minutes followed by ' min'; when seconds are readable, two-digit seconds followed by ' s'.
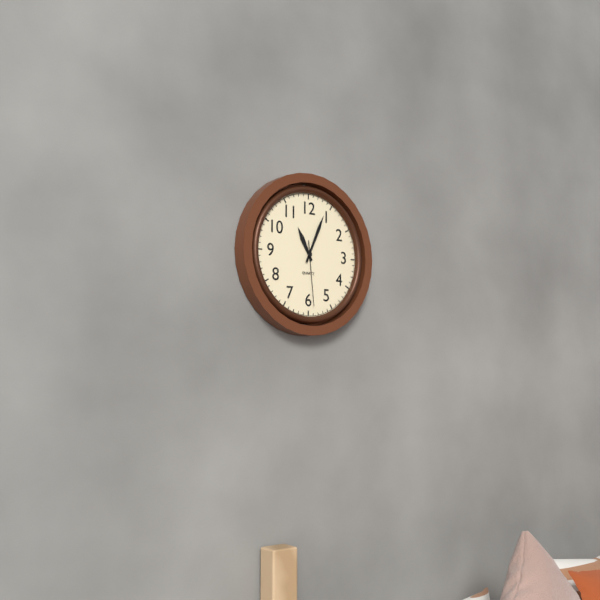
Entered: 11 h 04 min 29 s
